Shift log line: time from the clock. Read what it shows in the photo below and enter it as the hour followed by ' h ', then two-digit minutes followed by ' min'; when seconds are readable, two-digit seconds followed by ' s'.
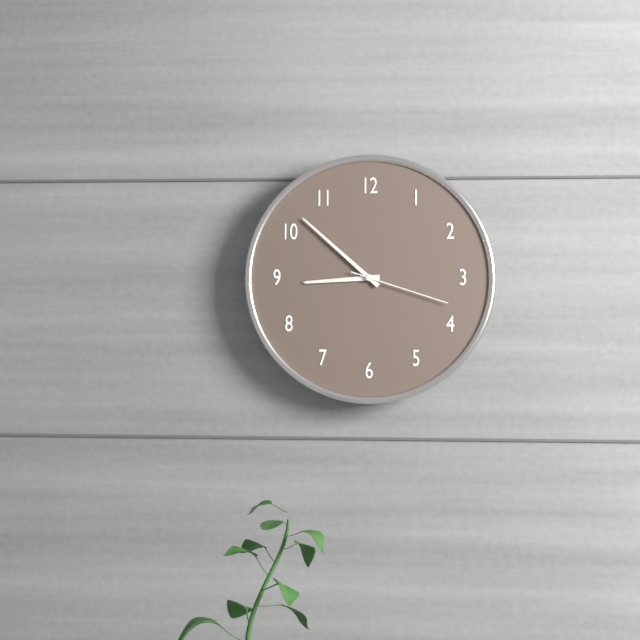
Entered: 8 h 52 min 18 s
